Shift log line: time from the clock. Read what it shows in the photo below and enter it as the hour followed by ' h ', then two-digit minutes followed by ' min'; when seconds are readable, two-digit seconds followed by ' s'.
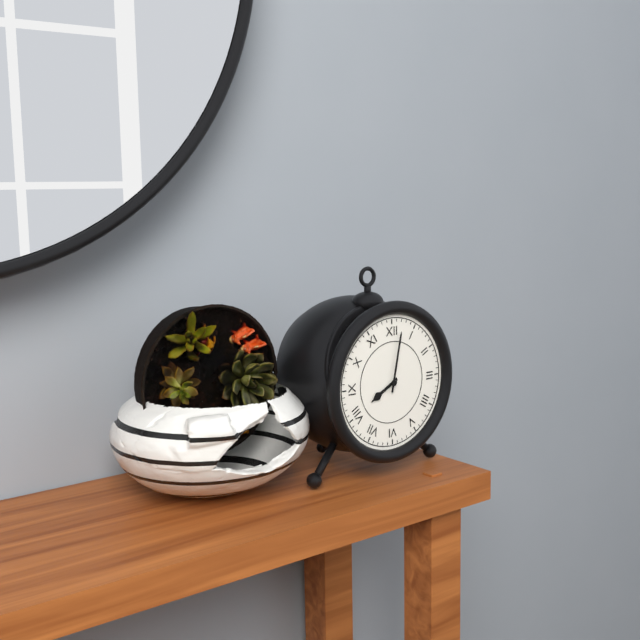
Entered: 8 h 02 min
